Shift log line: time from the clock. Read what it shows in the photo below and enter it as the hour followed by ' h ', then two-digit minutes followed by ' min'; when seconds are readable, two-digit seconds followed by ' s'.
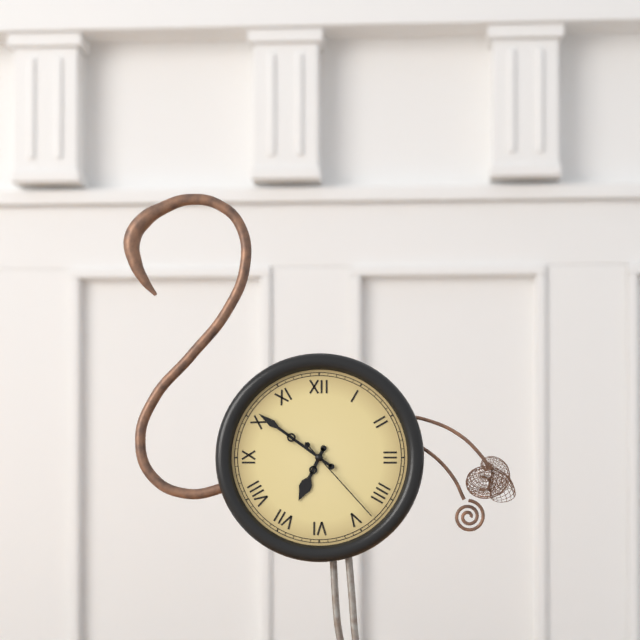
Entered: 6 h 51 min 23 s
